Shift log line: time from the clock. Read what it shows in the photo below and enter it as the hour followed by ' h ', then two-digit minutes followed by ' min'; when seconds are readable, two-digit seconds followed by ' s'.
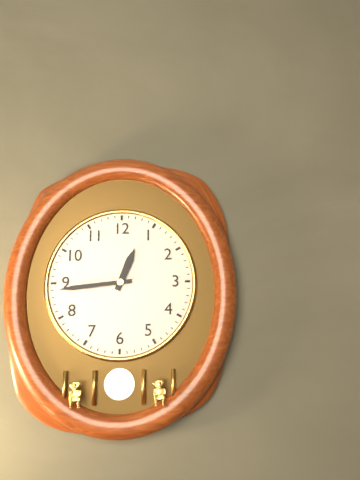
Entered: 12 h 44 min
